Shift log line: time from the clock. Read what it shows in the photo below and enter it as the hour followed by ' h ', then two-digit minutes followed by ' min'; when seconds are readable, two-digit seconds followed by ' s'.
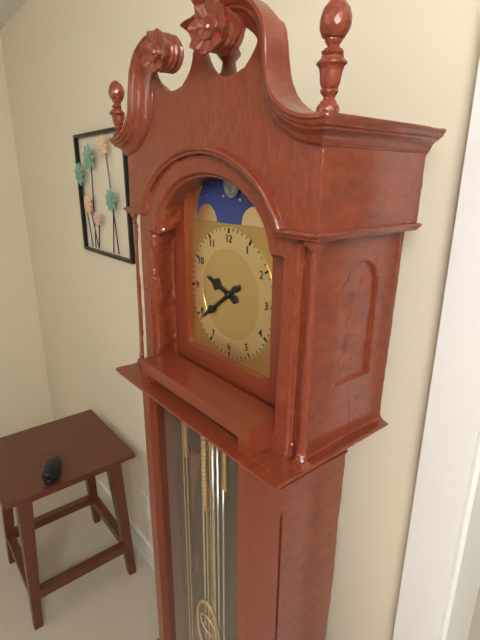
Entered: 9 h 39 min
